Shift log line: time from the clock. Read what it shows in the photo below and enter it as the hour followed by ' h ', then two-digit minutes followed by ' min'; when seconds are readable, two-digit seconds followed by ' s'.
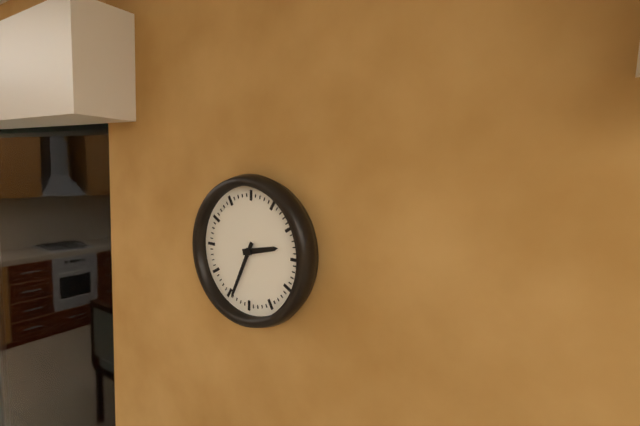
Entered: 2 h 34 min
